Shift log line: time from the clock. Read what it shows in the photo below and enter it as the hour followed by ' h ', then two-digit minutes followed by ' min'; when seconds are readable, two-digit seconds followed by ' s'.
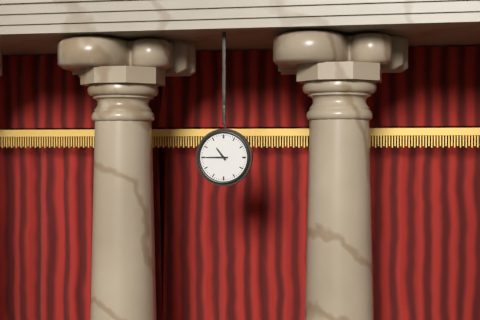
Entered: 10 h 45 min
